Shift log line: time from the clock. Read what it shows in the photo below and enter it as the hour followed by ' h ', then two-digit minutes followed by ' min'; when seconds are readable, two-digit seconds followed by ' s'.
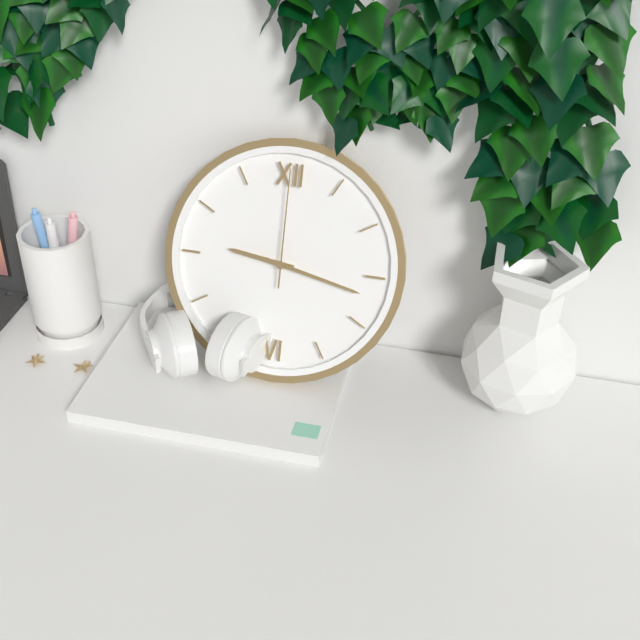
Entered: 9 h 17 min 00 s
